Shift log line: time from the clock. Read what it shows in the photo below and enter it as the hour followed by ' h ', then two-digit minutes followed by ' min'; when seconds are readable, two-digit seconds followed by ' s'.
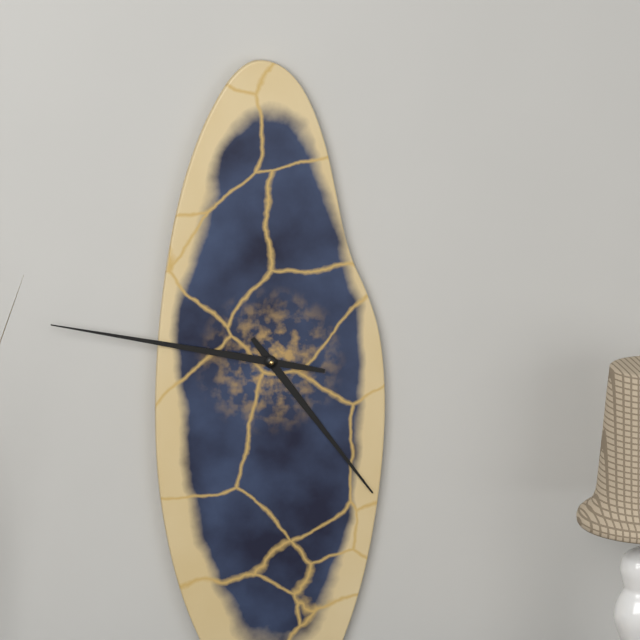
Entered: 4 h 47 min
